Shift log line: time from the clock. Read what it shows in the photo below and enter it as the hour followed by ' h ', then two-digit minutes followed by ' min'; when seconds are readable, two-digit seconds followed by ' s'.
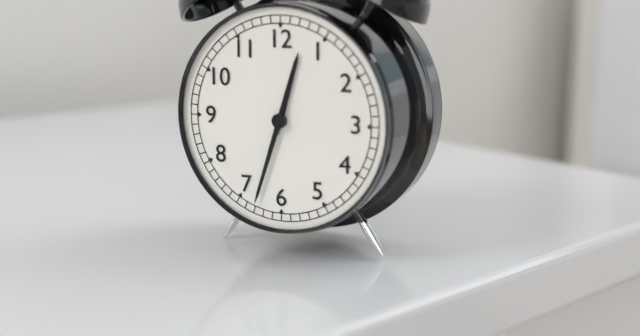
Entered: 12 h 33 min
